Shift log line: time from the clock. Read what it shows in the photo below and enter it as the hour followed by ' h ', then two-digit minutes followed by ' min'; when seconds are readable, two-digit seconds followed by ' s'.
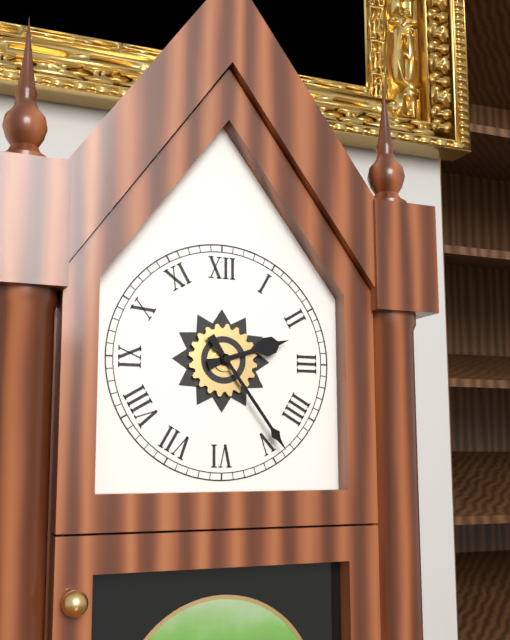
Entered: 2 h 24 min
